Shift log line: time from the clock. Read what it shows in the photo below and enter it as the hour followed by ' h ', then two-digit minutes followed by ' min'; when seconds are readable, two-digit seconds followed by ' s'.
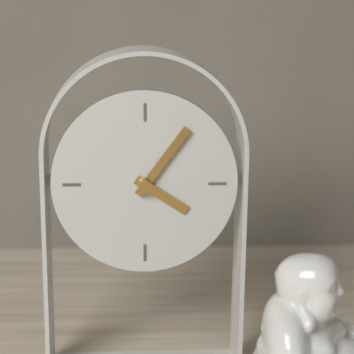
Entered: 4 h 06 min
